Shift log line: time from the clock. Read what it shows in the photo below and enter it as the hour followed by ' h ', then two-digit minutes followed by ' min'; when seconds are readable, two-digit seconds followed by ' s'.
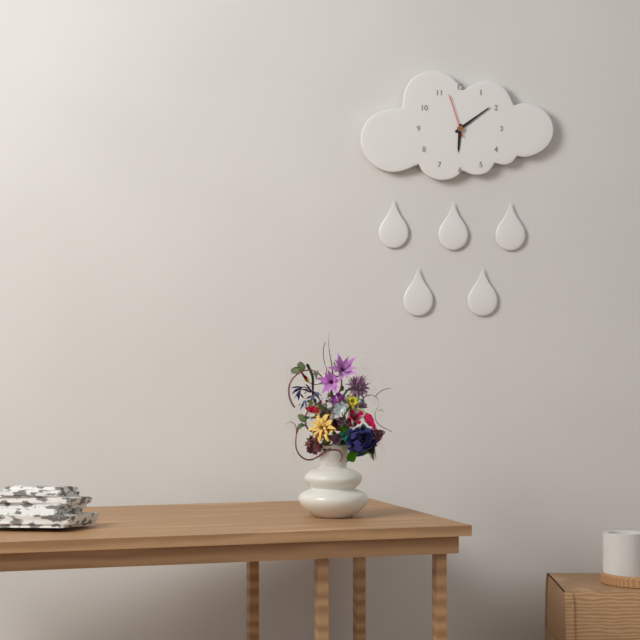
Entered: 6 h 09 min
